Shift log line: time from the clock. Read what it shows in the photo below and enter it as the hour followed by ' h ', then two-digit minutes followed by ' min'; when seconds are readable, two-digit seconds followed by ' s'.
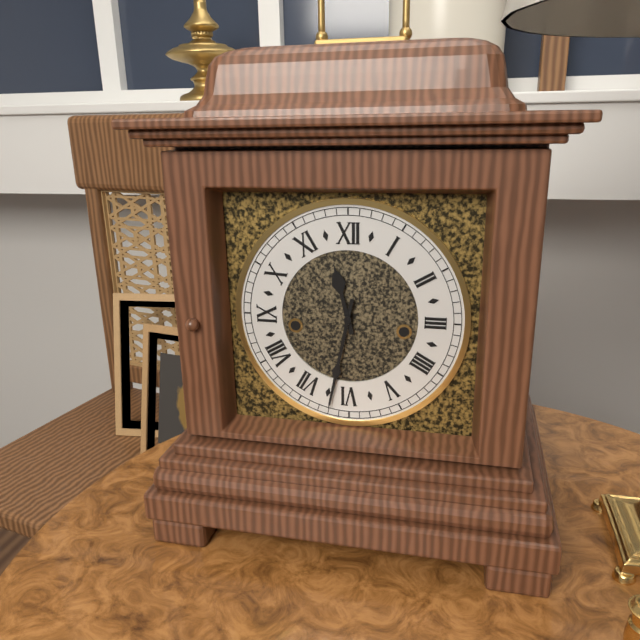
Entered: 11 h 32 min
